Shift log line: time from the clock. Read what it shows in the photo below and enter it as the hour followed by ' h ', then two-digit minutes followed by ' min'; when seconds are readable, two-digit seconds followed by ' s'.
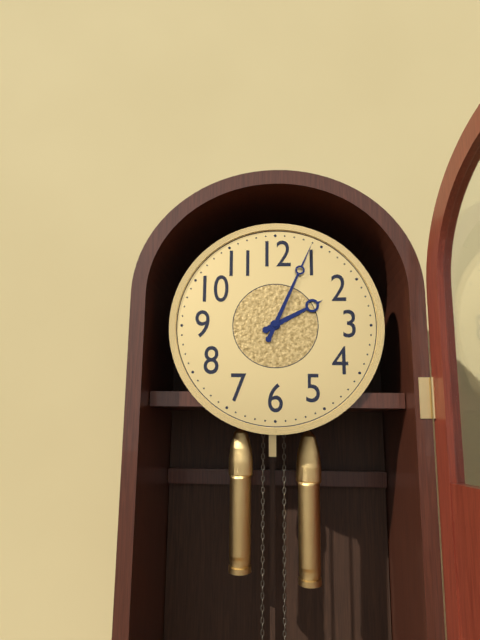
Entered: 2 h 04 min
